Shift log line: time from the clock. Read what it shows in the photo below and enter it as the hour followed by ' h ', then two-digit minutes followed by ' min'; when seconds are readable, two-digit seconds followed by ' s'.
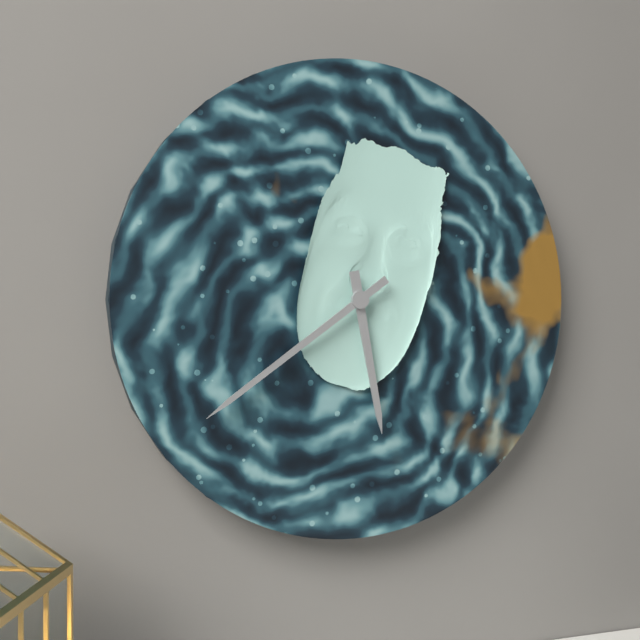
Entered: 5 h 39 min
